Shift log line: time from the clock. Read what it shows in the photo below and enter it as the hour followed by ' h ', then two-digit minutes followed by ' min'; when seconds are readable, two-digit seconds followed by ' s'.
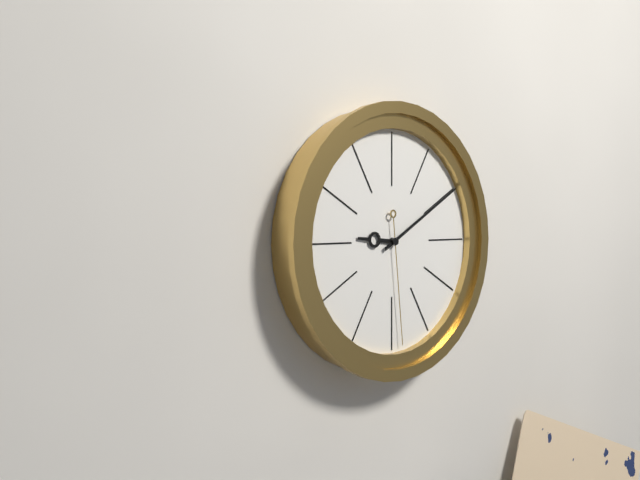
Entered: 9 h 10 min 29 s
